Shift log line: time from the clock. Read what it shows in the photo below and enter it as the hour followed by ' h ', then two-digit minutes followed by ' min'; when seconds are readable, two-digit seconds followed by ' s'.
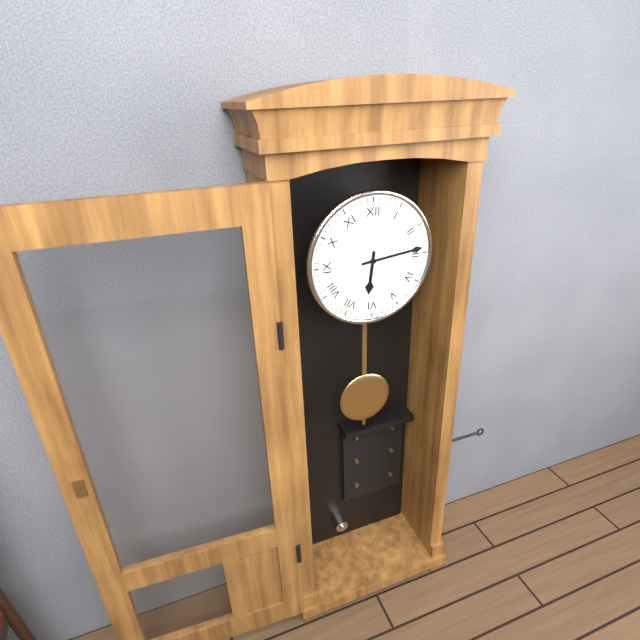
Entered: 6 h 14 min
